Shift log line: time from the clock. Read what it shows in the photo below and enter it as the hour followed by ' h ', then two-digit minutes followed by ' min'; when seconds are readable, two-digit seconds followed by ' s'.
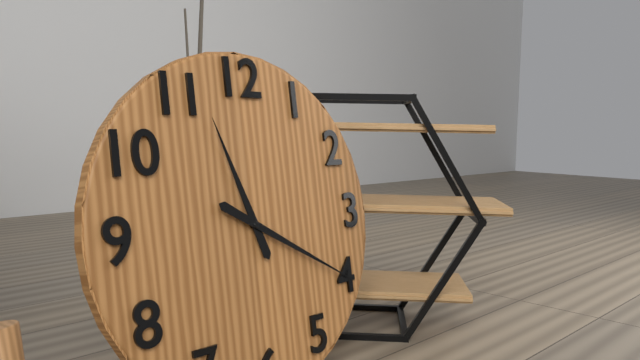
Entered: 11 h 20 min
